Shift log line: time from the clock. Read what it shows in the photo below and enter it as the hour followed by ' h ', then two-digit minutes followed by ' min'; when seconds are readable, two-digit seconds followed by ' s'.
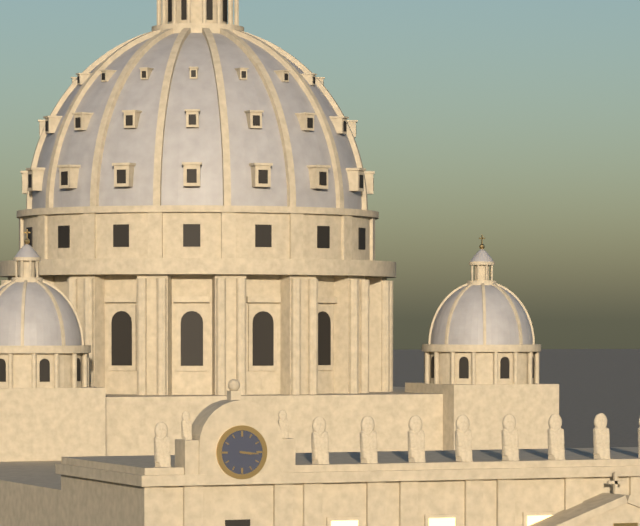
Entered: 3 h 16 min
